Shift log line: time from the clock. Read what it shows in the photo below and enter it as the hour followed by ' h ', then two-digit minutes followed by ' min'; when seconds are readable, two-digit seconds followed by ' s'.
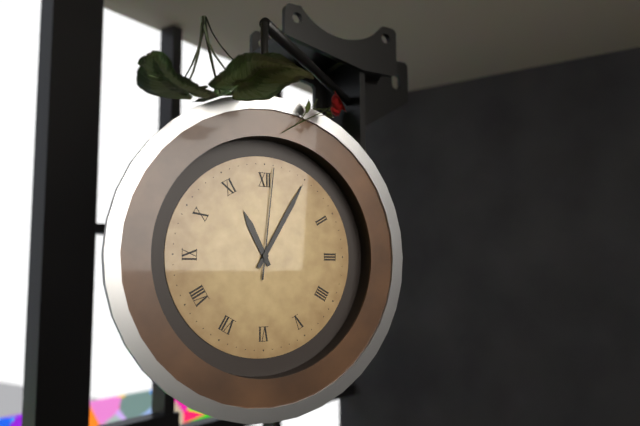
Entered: 11 h 05 min 01 s
